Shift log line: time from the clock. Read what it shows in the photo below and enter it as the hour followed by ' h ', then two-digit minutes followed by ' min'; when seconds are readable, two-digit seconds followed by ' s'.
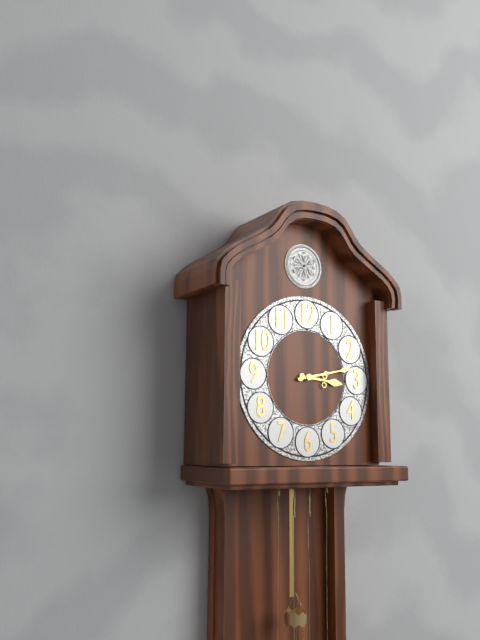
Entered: 3 h 13 min
